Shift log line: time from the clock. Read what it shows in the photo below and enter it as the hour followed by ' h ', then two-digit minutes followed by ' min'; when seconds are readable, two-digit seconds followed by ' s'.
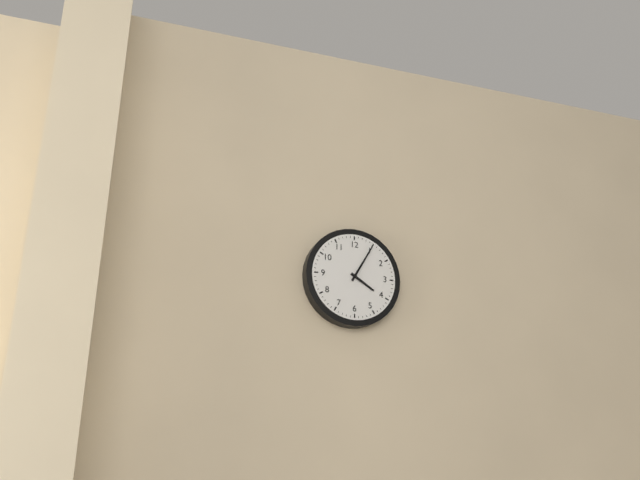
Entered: 4 h 05 min
